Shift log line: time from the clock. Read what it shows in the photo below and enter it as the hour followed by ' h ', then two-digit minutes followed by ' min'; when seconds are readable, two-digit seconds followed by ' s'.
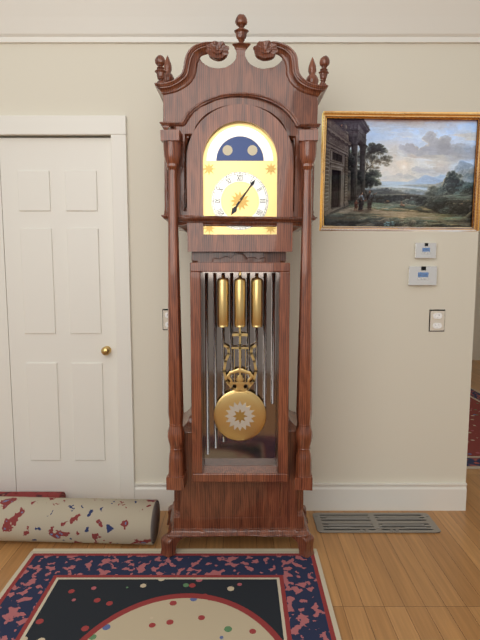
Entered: 7 h 06 min
